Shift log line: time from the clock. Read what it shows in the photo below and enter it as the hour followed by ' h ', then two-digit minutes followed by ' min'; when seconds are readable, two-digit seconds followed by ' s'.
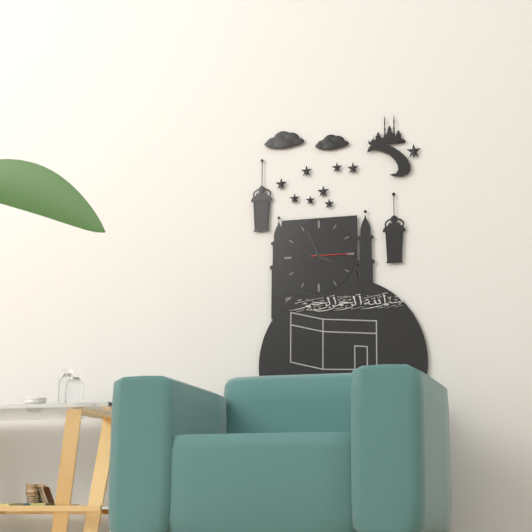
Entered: 3 h 56 min
